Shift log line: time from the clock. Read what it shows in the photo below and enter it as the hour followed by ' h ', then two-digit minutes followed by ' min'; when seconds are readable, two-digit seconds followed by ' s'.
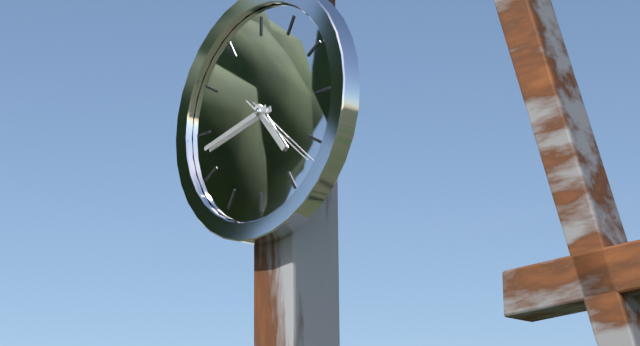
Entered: 4 h 43 min 22 s
